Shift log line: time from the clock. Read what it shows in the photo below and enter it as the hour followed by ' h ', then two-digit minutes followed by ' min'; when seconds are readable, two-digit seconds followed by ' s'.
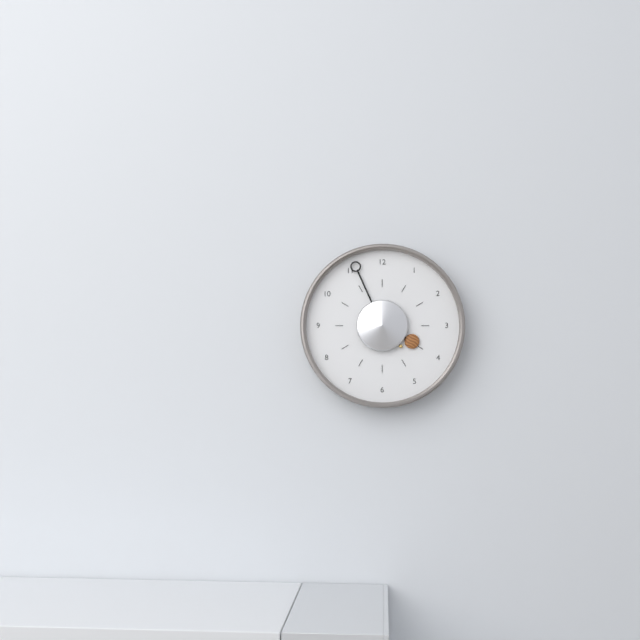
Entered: 3 h 56 min
